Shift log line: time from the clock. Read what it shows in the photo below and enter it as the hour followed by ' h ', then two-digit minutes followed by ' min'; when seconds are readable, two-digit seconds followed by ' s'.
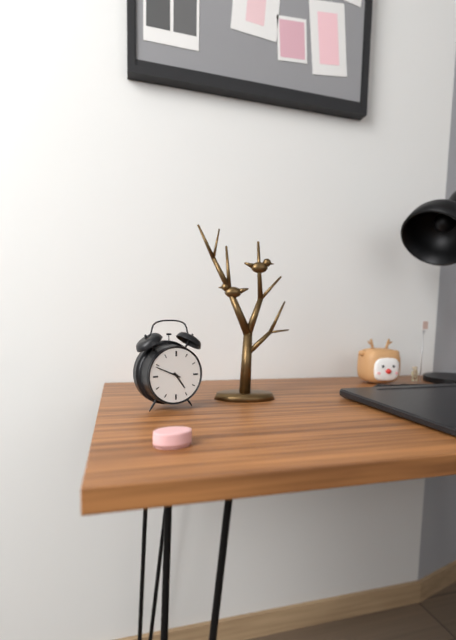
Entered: 4 h 49 min
